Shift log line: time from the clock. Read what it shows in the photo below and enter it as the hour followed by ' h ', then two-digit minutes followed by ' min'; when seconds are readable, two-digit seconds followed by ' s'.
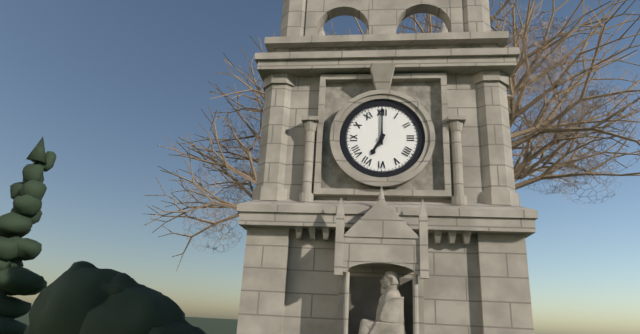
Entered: 7 h 00 min
